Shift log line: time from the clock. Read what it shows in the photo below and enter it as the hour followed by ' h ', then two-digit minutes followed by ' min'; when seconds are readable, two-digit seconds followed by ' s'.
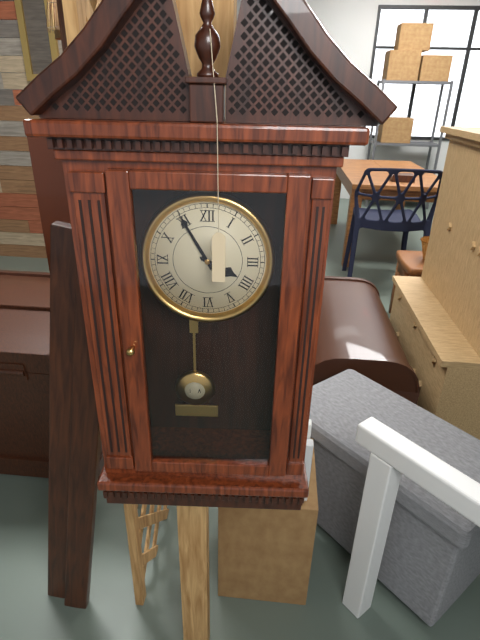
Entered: 3 h 55 min
